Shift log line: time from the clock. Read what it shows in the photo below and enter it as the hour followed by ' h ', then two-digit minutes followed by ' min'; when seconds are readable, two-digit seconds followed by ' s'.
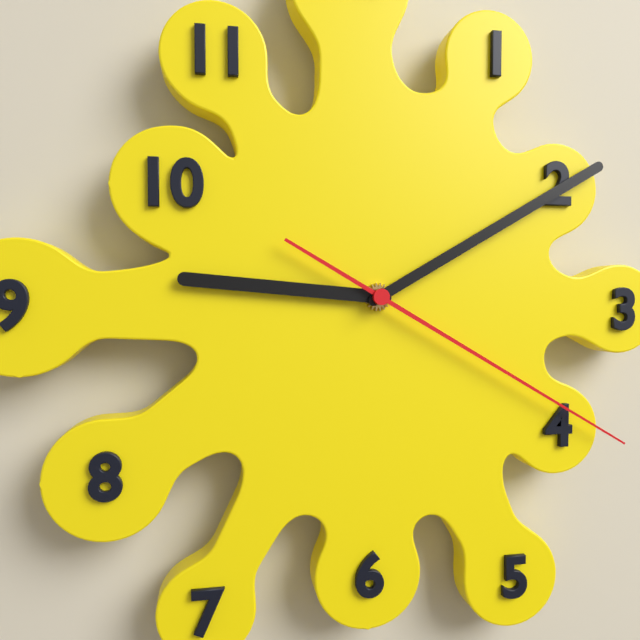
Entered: 9 h 10 min 20 s
